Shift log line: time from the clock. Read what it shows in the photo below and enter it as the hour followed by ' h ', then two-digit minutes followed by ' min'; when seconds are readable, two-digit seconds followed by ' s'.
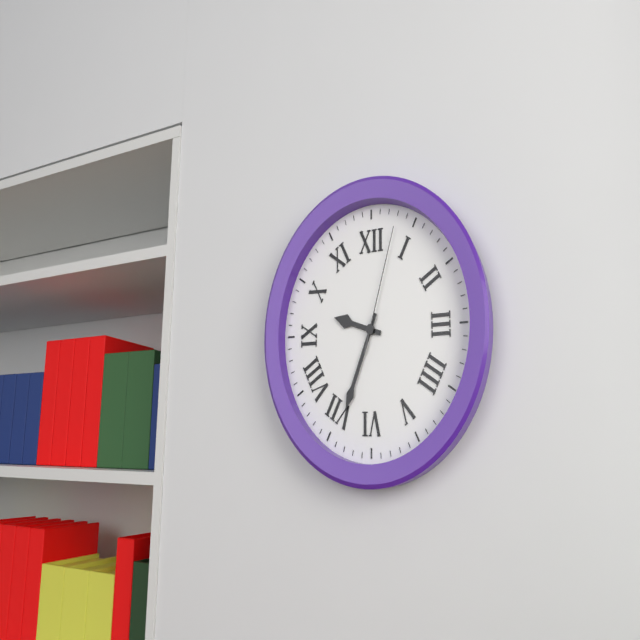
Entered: 9 h 34 min 03 s
